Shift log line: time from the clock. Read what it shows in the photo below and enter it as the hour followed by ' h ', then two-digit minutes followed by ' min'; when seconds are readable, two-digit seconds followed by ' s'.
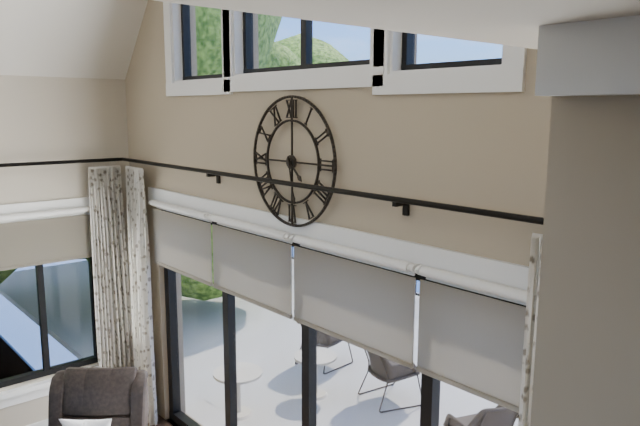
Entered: 4 h 28 min
